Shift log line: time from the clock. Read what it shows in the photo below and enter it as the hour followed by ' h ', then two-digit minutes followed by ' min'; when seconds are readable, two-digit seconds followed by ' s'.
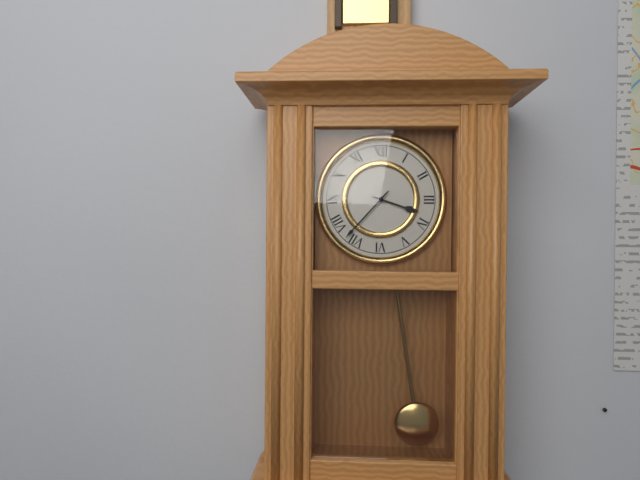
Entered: 3 h 37 min
